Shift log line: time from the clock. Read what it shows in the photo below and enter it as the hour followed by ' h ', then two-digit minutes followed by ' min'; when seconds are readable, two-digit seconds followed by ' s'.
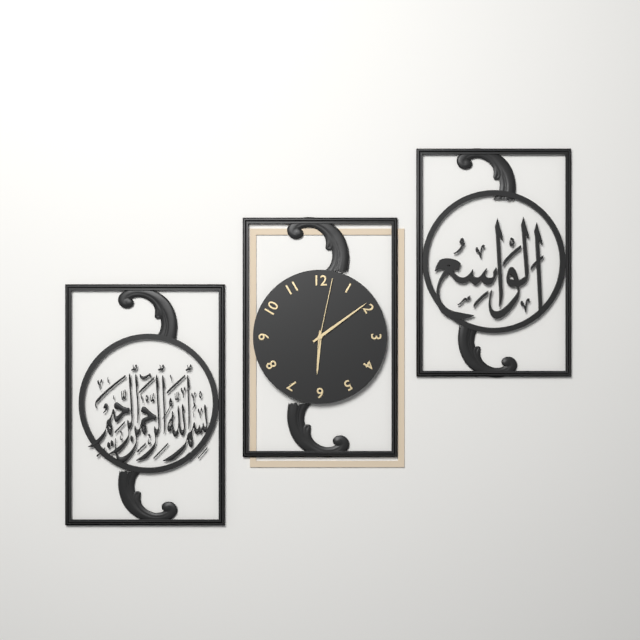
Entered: 6 h 09 min 02 s
